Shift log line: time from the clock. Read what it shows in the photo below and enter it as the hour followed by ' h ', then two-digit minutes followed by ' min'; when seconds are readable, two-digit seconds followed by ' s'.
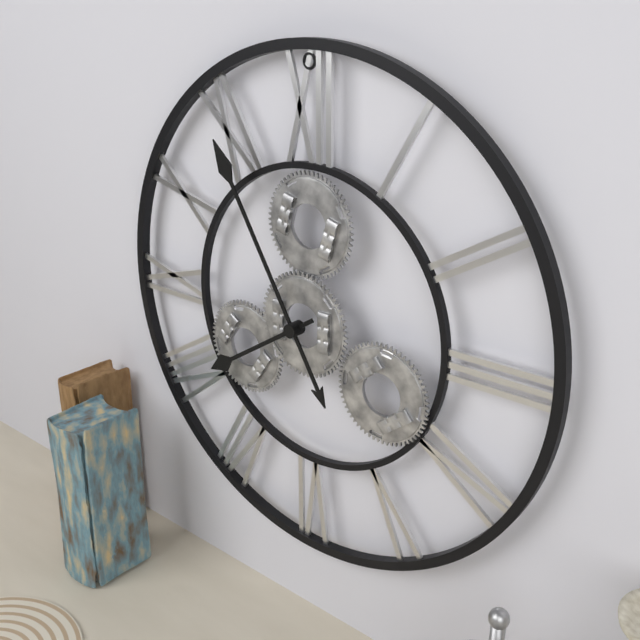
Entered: 7 h 55 min
